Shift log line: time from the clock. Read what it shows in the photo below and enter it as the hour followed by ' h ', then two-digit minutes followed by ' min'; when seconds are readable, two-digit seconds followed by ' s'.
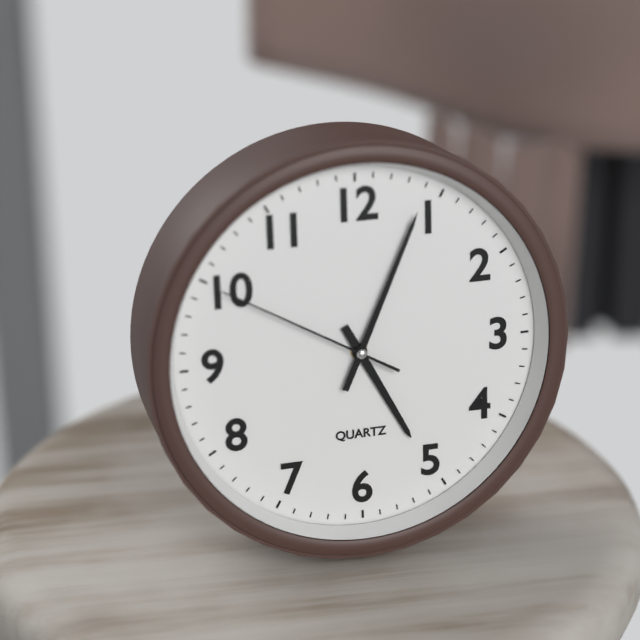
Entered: 5 h 04 min 50 s
